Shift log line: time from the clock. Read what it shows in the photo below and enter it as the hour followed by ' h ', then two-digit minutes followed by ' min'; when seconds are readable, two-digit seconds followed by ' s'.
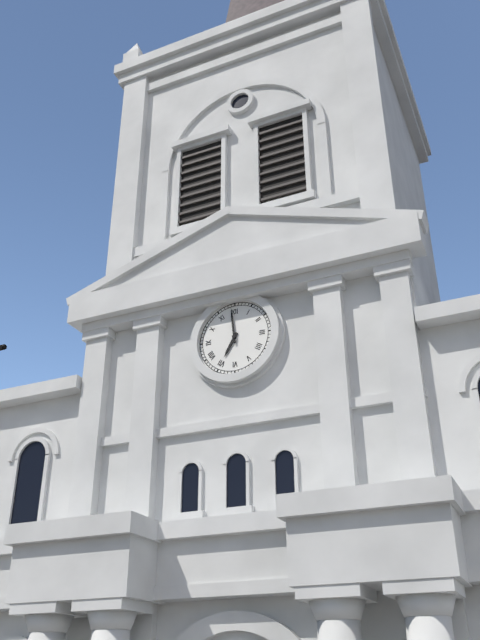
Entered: 6 h 59 min
